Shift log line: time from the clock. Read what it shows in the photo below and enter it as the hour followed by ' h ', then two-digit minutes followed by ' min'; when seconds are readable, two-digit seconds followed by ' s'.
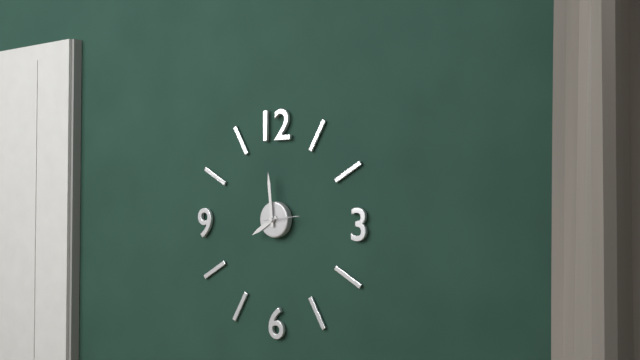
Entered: 7 h 59 min
